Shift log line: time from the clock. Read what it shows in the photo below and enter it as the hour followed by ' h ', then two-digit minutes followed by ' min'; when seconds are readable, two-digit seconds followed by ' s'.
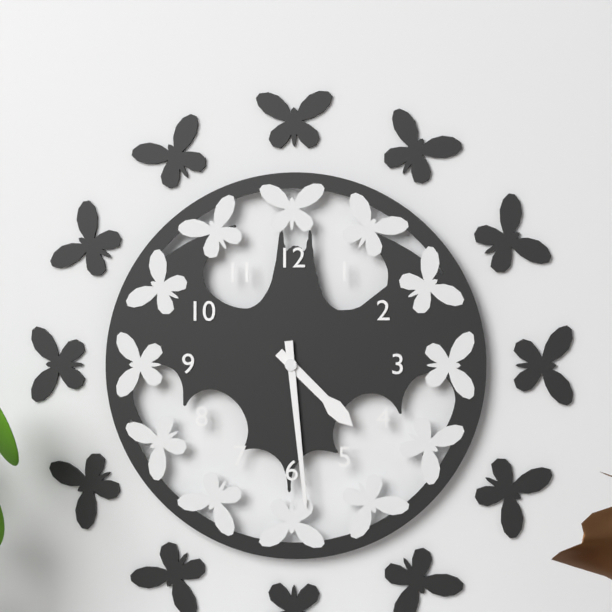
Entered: 4 h 29 min
